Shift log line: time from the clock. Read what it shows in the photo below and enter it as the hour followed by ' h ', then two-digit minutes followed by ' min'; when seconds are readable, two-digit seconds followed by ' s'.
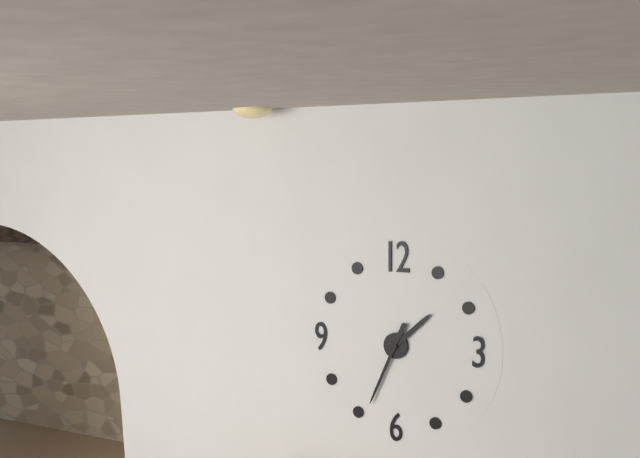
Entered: 1 h 34 min
